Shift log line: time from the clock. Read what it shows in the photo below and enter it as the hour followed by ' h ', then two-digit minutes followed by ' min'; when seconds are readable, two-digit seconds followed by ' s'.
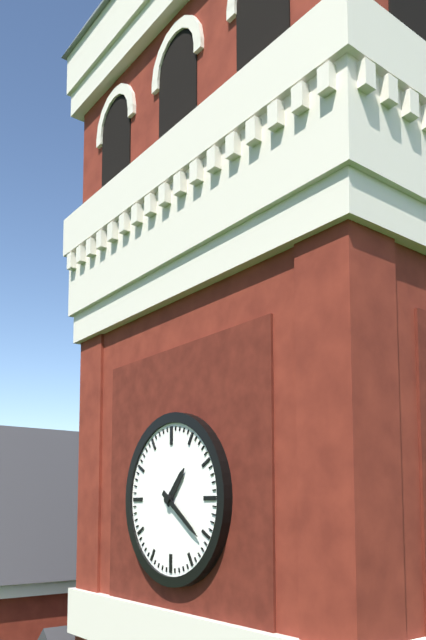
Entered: 1 h 21 min
